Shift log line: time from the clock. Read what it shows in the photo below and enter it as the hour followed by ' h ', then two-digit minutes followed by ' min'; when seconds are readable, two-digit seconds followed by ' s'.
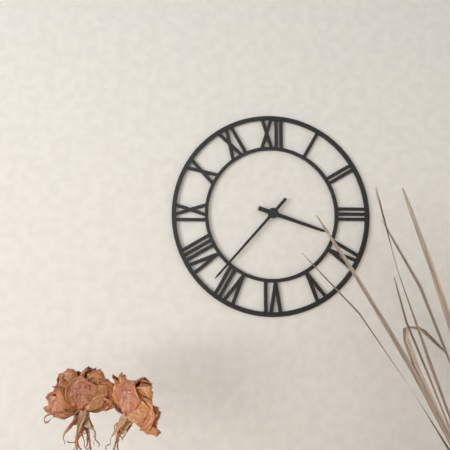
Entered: 3 h 37 min
